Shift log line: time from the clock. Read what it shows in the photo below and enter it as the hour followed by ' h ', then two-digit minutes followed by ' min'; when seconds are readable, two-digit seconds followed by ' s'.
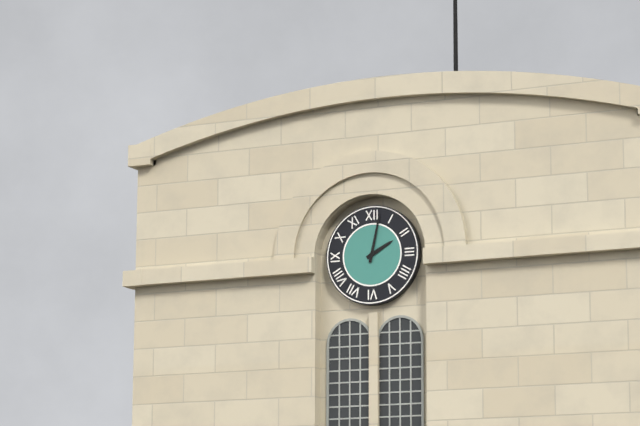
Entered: 2 h 02 min
